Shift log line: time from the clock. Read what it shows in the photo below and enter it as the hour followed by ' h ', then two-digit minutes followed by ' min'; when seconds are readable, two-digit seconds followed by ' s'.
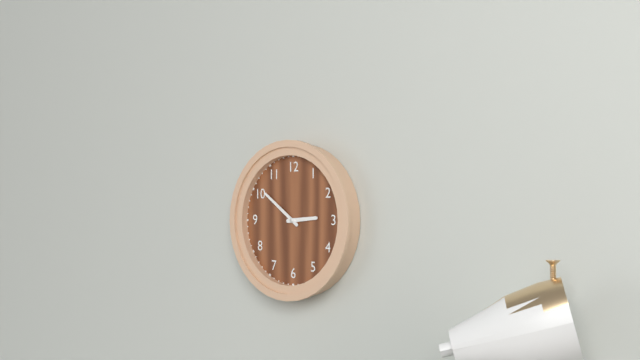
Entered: 2 h 51 min
